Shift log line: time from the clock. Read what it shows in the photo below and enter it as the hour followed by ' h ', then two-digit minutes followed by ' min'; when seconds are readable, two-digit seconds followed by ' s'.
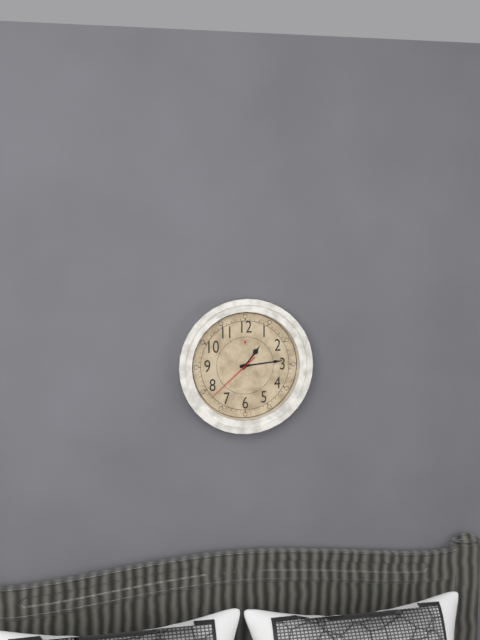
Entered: 1 h 14 min 38 s
